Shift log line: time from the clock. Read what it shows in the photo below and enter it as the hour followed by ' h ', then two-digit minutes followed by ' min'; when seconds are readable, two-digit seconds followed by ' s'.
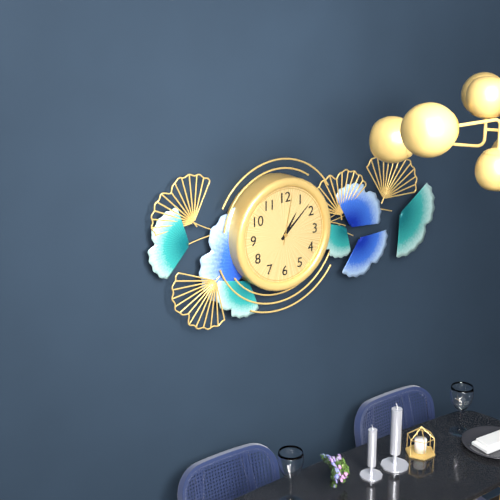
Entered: 1 h 08 min 02 s
